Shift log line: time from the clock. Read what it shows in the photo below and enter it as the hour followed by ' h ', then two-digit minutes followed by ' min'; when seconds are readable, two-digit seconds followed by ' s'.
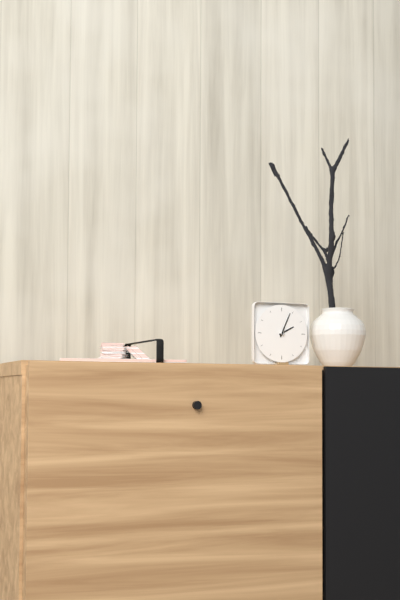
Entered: 2 h 04 min
